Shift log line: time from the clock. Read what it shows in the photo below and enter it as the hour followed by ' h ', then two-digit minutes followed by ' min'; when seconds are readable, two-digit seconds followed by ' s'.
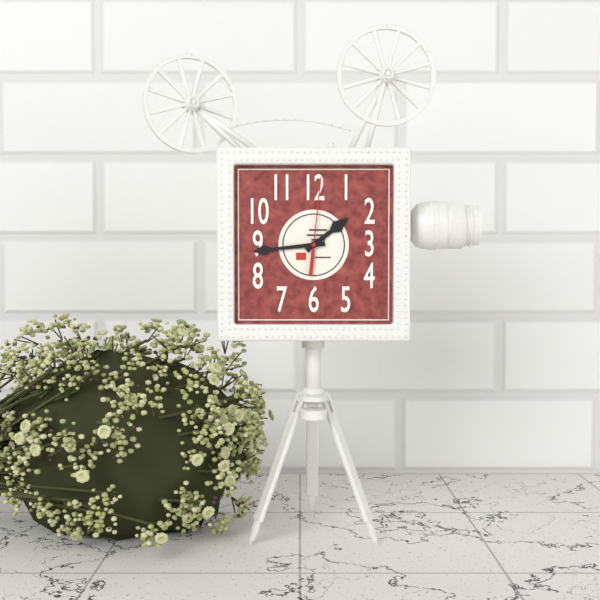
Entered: 1 h 44 min 01 s
